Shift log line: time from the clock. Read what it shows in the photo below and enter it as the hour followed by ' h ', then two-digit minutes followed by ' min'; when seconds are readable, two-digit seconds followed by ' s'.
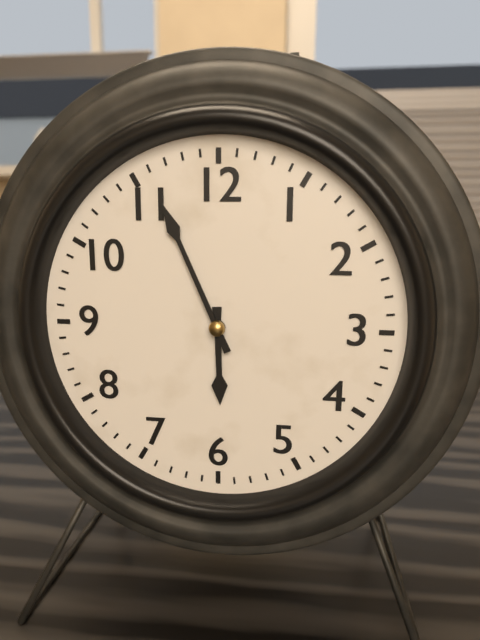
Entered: 5 h 56 min
